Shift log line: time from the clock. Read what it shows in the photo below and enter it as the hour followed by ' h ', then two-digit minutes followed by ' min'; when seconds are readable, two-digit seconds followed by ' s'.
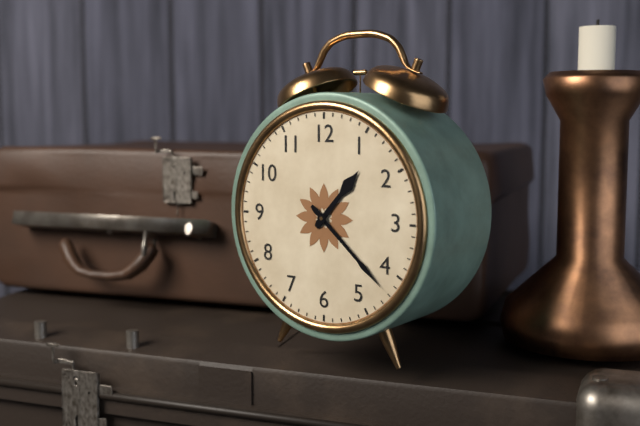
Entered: 1 h 22 min
